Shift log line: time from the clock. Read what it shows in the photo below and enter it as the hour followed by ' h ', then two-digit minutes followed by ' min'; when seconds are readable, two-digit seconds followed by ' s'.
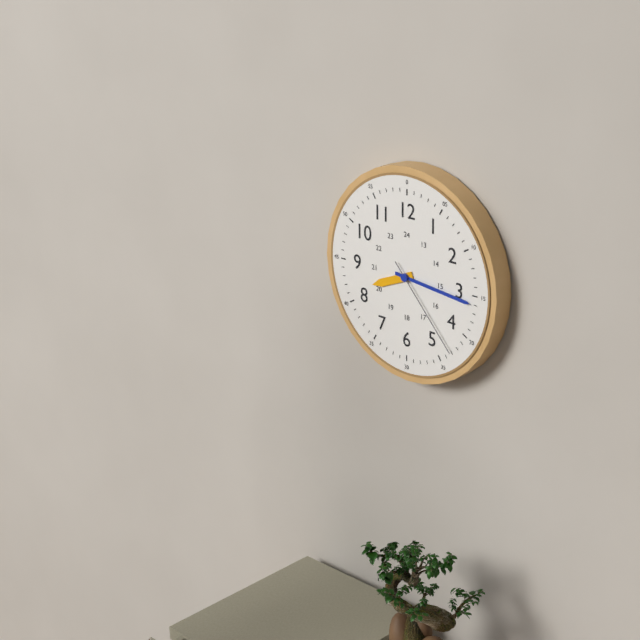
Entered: 8 h 16 min 23 s
